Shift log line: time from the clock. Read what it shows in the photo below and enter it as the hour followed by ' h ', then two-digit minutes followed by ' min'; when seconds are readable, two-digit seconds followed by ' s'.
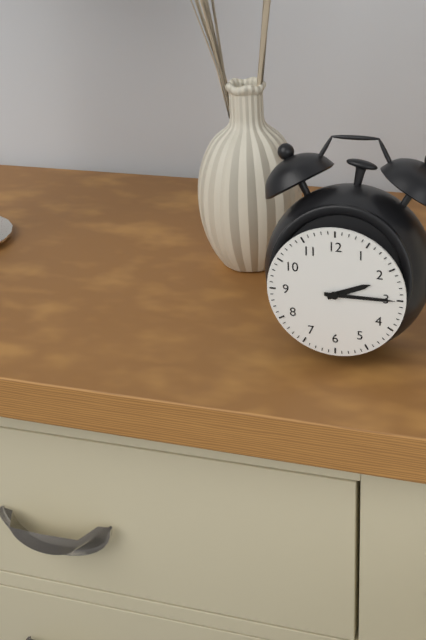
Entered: 2 h 15 min
